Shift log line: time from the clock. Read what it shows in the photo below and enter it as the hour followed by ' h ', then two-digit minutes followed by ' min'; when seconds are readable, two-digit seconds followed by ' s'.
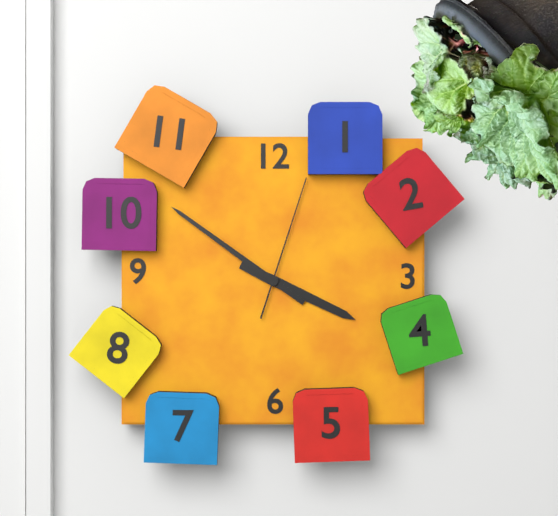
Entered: 3 h 51 min 03 s
